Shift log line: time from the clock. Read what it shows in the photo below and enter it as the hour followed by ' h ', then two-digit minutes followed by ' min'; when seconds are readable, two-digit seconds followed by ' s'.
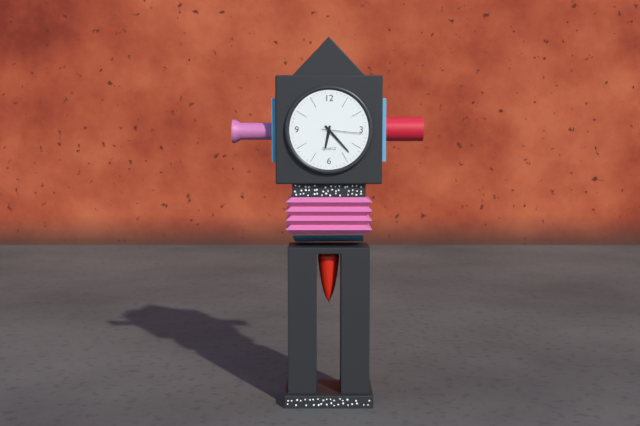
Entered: 6 h 23 min
